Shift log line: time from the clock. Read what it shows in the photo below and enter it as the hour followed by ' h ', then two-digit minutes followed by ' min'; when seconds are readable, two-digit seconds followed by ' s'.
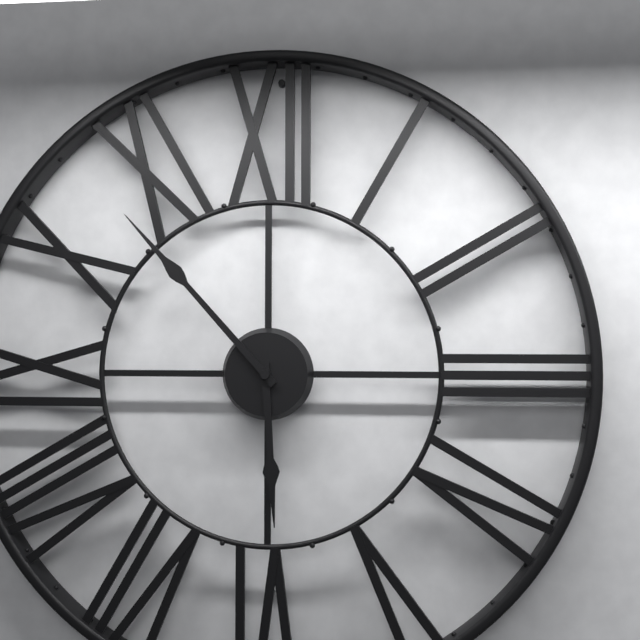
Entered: 5 h 53 min
